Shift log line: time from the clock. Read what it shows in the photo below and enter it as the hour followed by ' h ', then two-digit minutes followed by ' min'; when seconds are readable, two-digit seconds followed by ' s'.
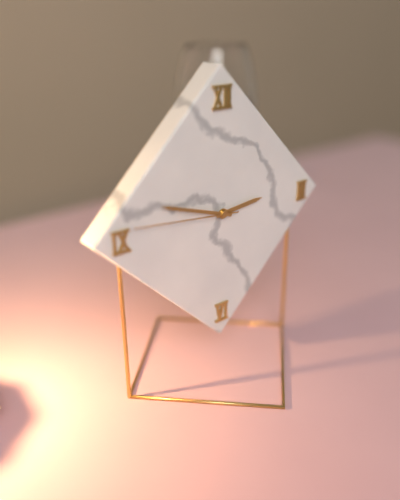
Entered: 2 h 48 min 46 s
